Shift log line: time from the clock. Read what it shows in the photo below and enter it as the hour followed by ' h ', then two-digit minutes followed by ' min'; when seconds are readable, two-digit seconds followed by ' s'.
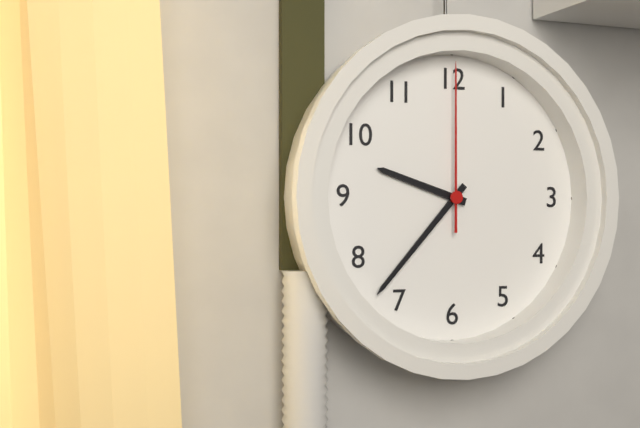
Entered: 9 h 37 min 00 s
